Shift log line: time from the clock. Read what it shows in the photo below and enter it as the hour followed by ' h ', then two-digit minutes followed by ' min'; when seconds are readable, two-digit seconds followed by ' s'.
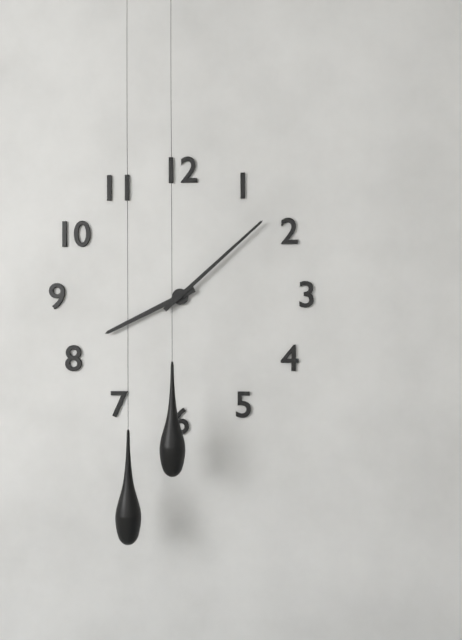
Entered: 8 h 08 min
